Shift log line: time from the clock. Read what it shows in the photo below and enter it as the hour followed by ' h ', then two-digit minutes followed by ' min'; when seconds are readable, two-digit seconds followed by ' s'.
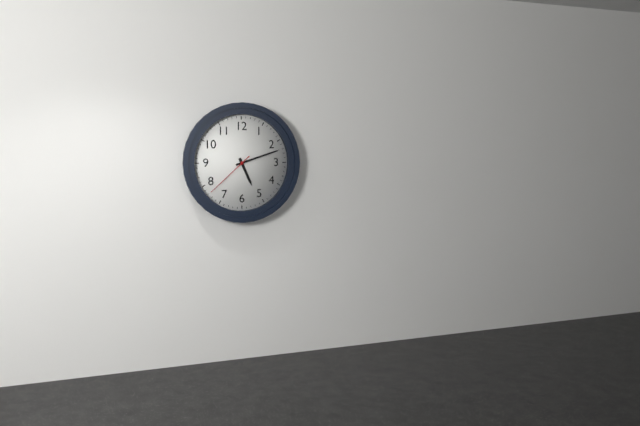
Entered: 5 h 12 min 38 s
